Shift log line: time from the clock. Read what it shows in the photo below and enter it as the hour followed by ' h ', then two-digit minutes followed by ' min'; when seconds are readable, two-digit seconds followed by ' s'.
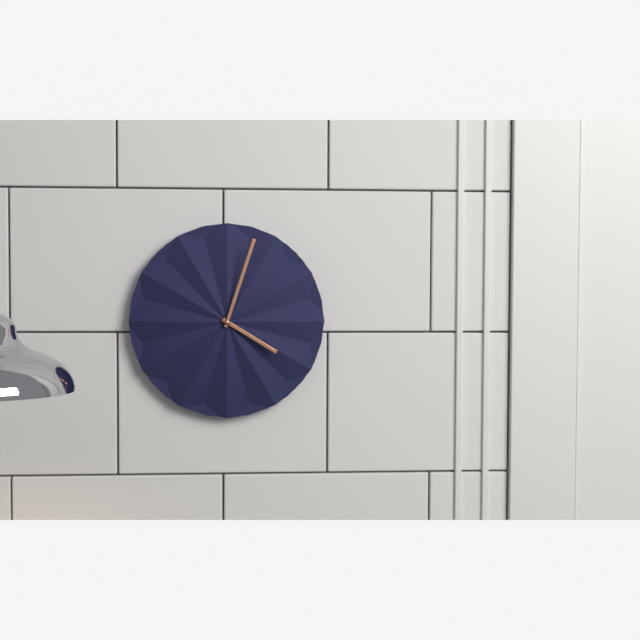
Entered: 4 h 03 min
